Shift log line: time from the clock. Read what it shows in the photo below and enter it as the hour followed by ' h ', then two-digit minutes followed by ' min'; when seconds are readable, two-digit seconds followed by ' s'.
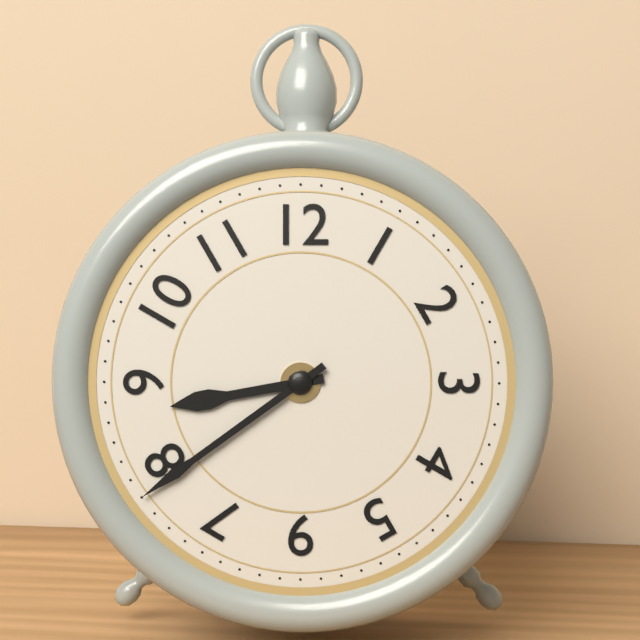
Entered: 8 h 39 min
